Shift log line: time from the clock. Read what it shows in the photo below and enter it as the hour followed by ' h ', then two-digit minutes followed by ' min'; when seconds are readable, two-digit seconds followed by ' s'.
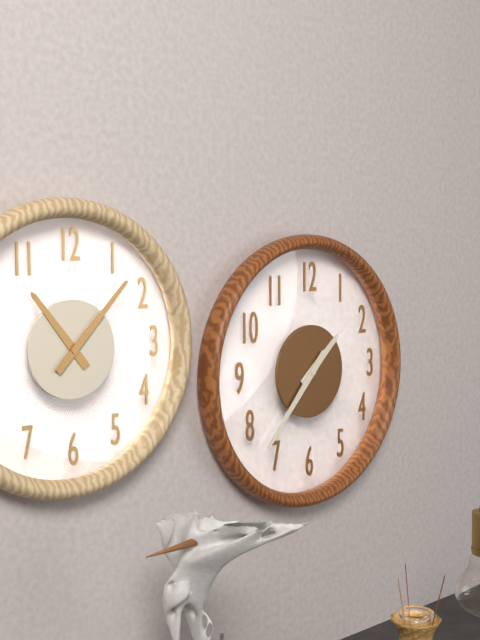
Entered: 1 h 37 min
